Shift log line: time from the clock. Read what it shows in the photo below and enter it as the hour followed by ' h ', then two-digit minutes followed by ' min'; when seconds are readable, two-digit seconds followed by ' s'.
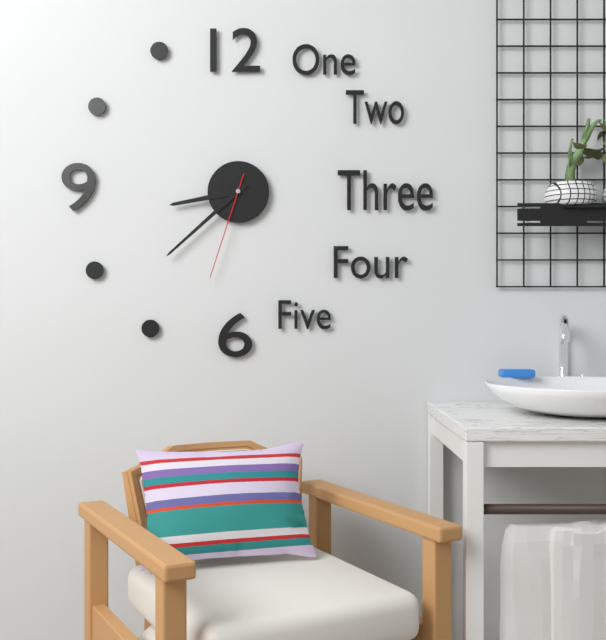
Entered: 8 h 38 min 33 s
